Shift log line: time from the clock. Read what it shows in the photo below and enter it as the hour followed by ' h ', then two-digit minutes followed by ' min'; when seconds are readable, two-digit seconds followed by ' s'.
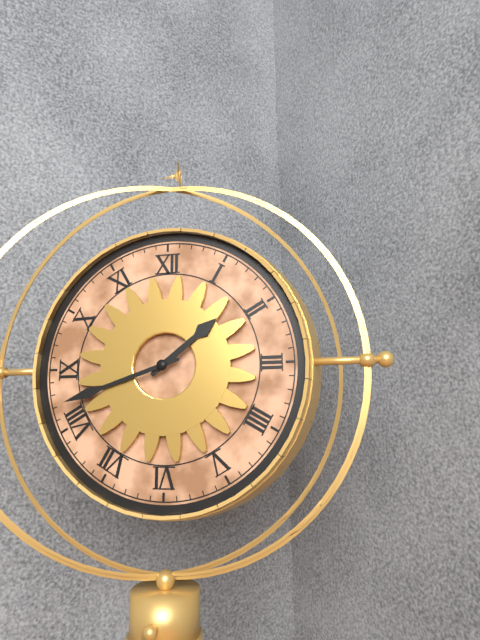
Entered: 1 h 42 min
